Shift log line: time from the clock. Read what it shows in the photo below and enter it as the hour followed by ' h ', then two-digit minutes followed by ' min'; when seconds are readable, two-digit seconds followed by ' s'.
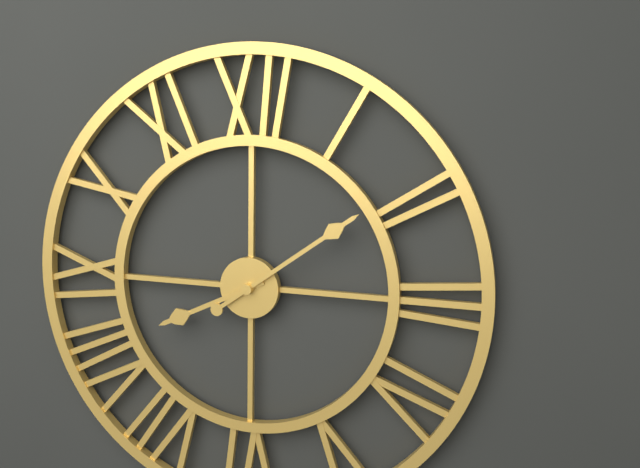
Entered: 8 h 09 min
